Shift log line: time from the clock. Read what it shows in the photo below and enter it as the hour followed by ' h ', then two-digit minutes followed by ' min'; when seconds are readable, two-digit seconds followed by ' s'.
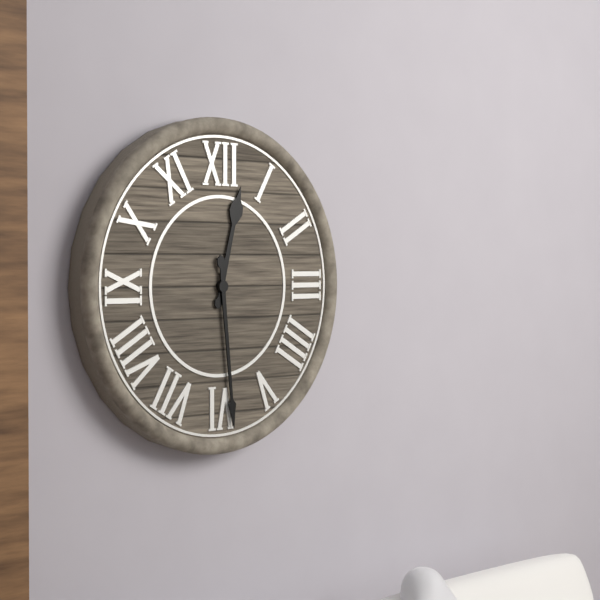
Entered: 12 h 29 min
